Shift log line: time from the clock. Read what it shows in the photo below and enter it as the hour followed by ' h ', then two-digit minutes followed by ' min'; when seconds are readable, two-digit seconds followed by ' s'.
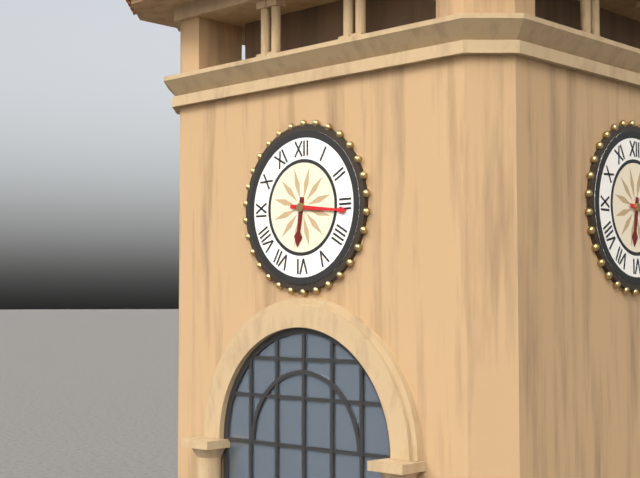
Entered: 6 h 16 min
